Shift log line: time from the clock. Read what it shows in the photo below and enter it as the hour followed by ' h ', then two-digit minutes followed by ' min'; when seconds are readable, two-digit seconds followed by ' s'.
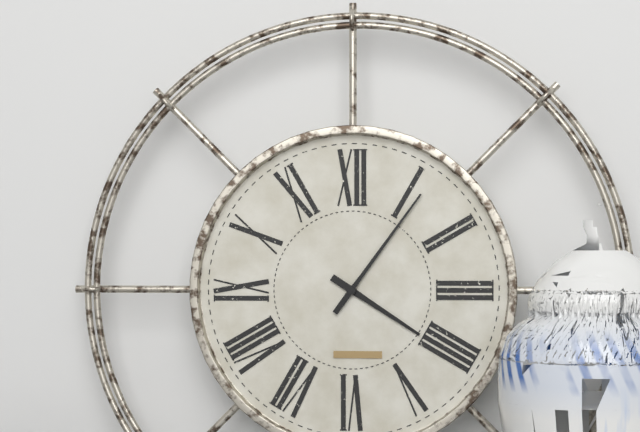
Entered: 4 h 06 min
